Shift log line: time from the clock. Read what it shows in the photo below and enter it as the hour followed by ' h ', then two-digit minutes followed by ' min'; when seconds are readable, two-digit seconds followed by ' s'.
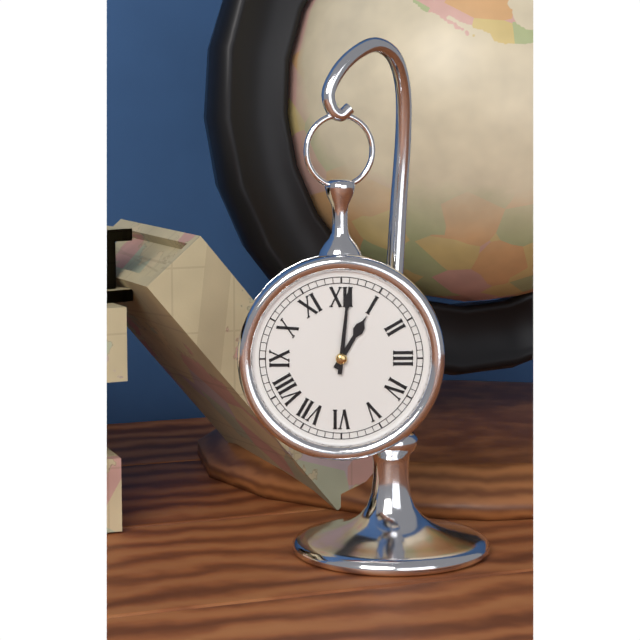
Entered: 1 h 01 min
